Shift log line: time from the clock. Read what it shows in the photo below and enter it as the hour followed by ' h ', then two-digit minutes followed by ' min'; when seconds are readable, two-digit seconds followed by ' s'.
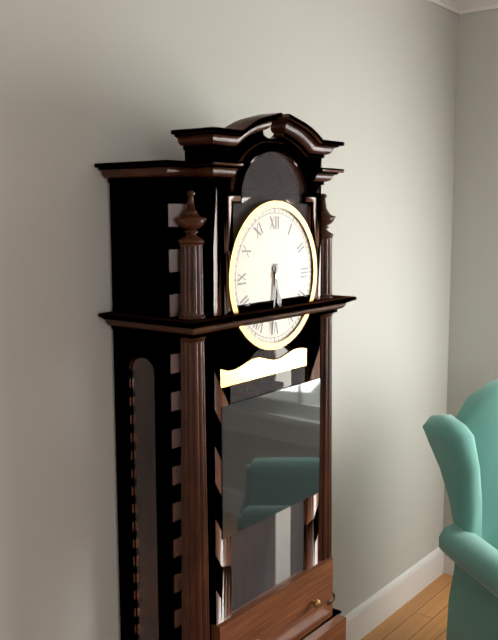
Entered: 5 h 31 min
